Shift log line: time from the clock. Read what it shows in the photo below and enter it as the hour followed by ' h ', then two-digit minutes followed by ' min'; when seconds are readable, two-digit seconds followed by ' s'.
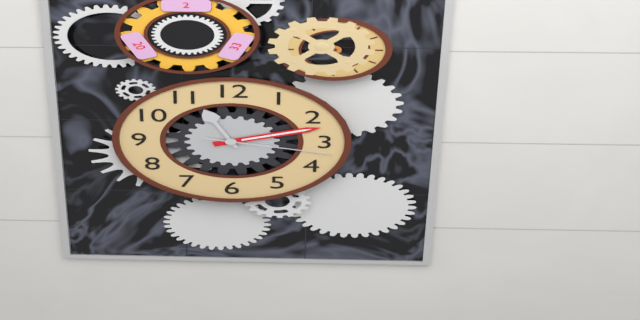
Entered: 11 h 12 min 17 s
